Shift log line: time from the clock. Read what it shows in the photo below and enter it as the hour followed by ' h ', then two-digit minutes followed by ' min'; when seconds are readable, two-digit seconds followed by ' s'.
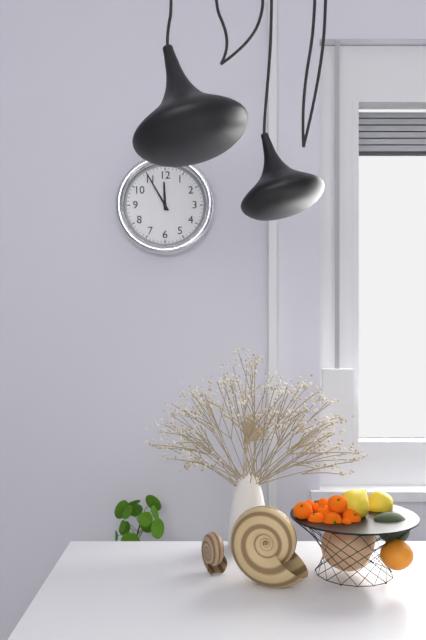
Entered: 11 h 55 min
